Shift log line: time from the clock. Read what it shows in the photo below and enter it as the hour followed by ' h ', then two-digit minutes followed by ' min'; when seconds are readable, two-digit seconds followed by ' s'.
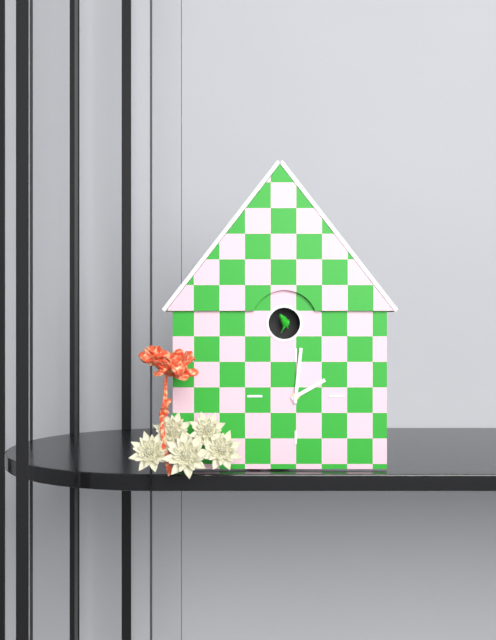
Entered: 2 h 01 min
